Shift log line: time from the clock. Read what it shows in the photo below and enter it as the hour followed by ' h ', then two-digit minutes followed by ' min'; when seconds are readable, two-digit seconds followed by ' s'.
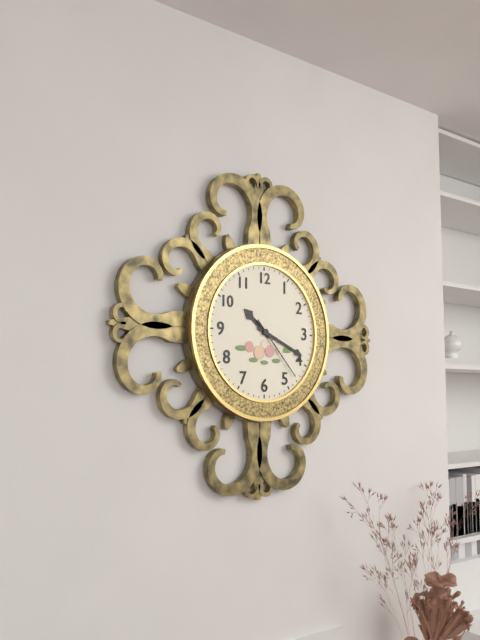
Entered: 10 h 19 min 23 s
